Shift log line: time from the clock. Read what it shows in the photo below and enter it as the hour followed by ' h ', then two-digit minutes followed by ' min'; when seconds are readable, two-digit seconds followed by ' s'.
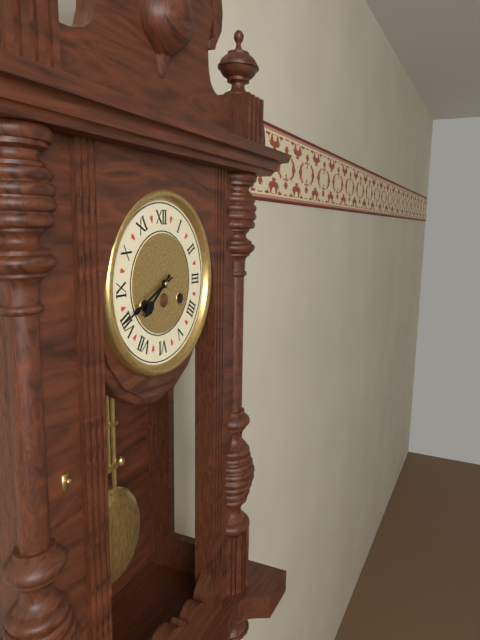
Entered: 7 h 41 min
